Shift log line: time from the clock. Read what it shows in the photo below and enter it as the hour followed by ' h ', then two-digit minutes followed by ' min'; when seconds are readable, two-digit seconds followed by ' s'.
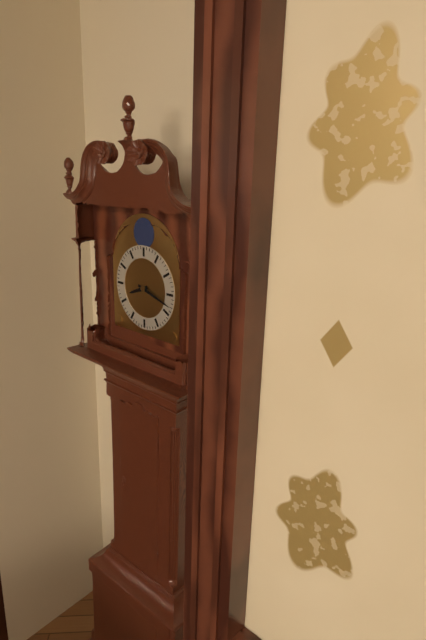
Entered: 8 h 18 min
